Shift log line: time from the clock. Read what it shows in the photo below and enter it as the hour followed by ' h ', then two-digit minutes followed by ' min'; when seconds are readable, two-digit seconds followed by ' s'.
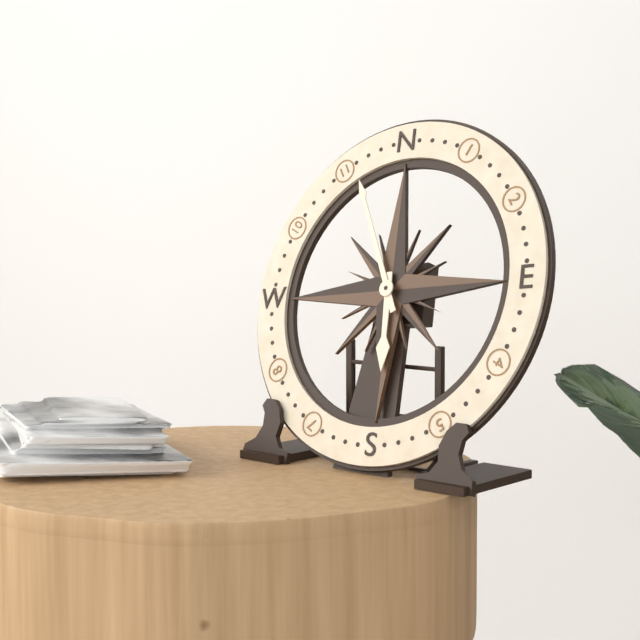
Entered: 5 h 56 min
